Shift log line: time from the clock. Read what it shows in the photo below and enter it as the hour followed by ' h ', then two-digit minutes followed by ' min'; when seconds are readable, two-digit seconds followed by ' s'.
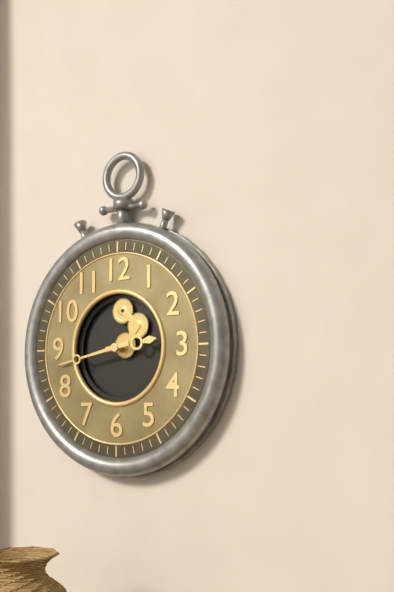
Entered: 2 h 43 min
